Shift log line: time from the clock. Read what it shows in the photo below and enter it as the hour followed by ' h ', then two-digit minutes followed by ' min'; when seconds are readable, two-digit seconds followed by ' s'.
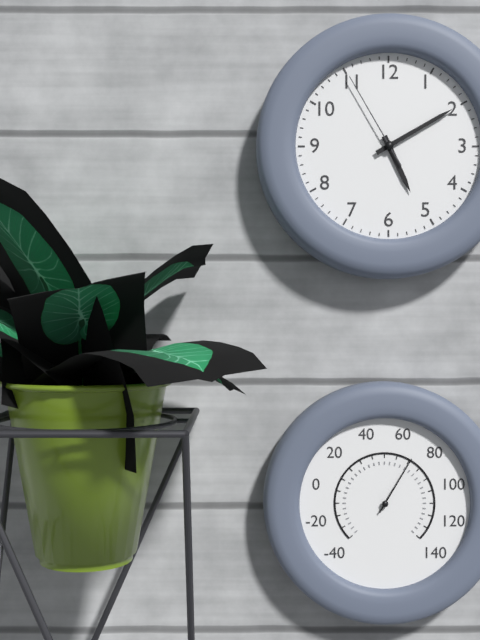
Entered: 5 h 10 min 55 s
